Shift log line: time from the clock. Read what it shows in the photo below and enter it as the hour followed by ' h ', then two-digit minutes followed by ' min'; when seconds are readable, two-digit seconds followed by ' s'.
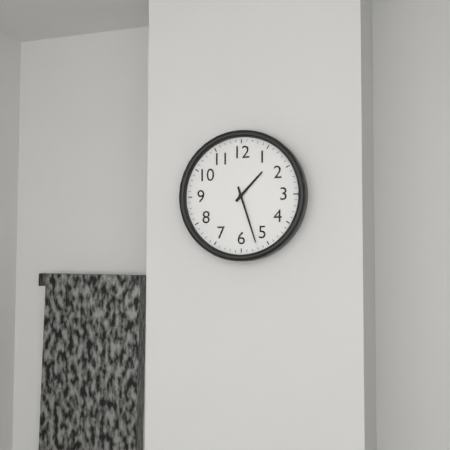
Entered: 1 h 27 min
